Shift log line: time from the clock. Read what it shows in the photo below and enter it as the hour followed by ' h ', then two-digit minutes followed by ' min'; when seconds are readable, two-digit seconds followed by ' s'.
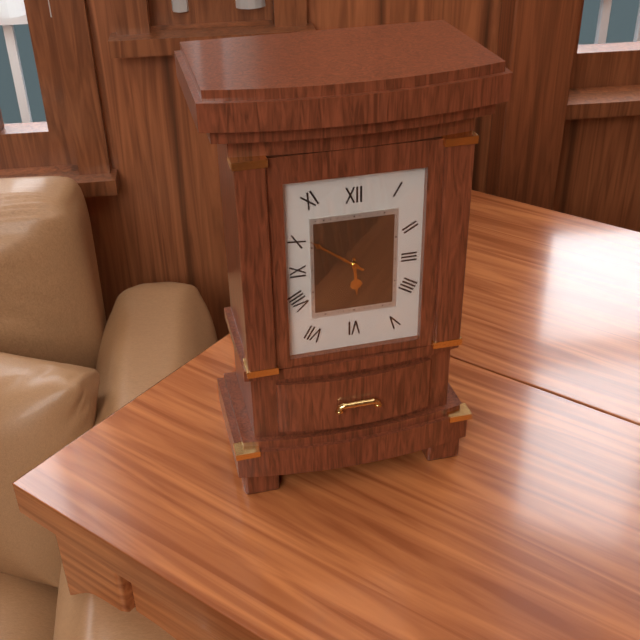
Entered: 5 h 51 min
